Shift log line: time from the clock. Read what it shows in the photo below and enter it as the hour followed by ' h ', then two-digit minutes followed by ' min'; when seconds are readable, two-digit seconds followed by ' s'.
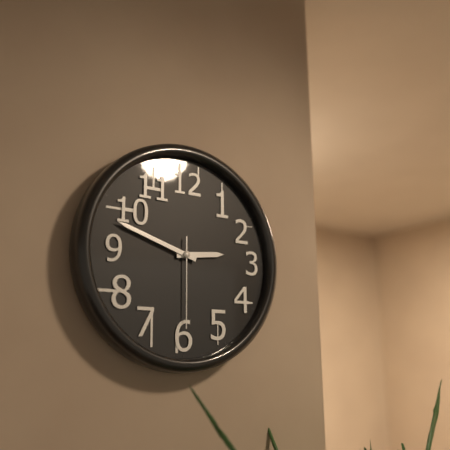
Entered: 2 h 48 min 30 s
